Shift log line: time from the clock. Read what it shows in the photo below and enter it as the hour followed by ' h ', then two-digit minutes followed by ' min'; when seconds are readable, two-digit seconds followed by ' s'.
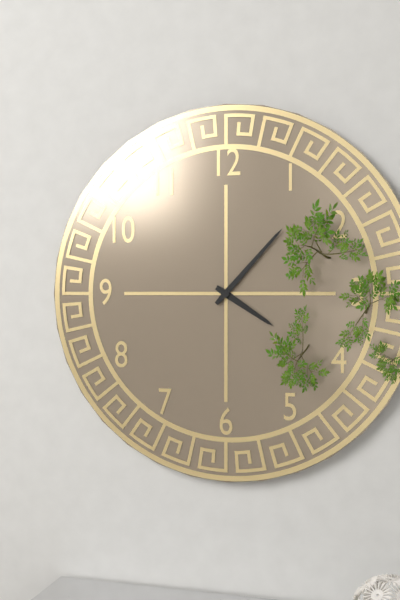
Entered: 4 h 07 min
